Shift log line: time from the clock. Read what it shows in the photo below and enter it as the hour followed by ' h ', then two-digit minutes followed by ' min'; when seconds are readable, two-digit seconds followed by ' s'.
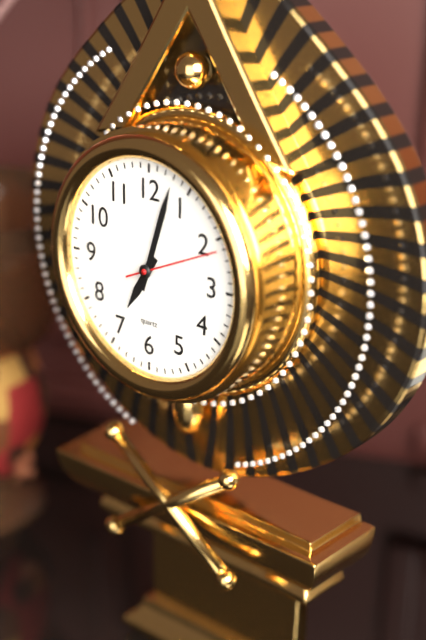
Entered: 7 h 03 min 11 s
